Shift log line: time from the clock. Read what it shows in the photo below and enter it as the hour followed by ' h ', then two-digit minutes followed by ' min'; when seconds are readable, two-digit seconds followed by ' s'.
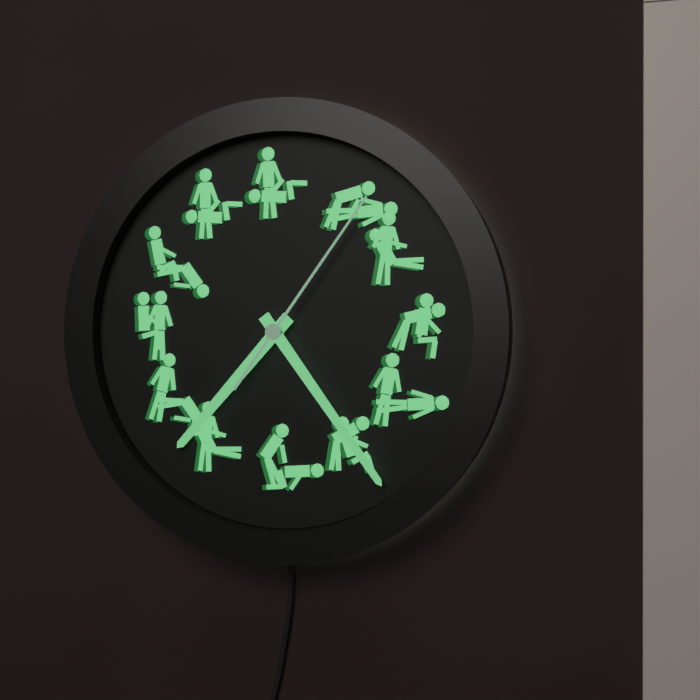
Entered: 7 h 24 min 06 s
